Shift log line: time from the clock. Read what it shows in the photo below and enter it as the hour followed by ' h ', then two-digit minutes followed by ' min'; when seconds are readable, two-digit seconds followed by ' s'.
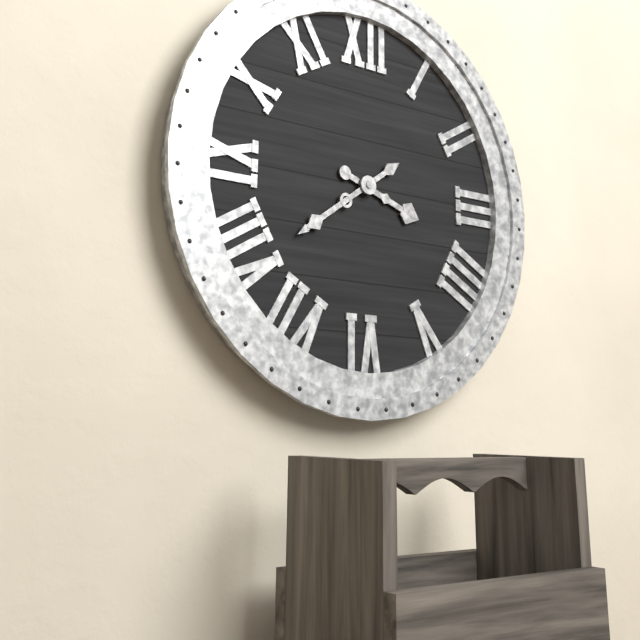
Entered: 3 h 39 min
